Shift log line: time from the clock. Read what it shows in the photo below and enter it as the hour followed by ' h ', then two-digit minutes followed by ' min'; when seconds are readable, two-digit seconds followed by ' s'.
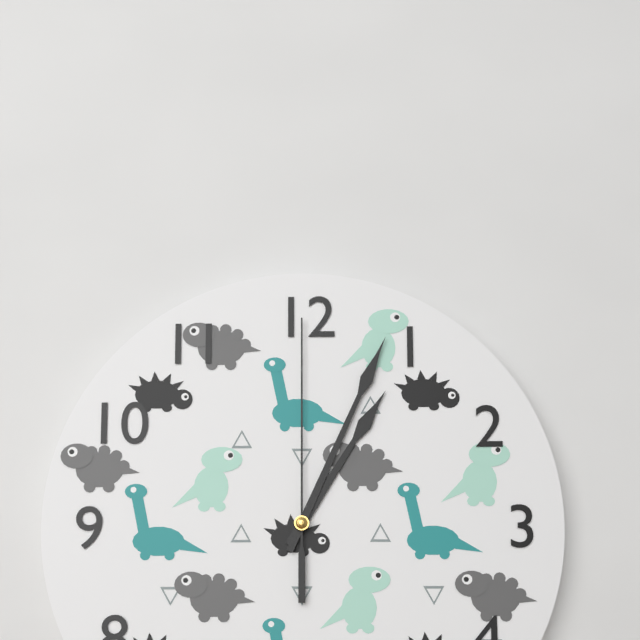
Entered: 1 h 04 min 00 s
